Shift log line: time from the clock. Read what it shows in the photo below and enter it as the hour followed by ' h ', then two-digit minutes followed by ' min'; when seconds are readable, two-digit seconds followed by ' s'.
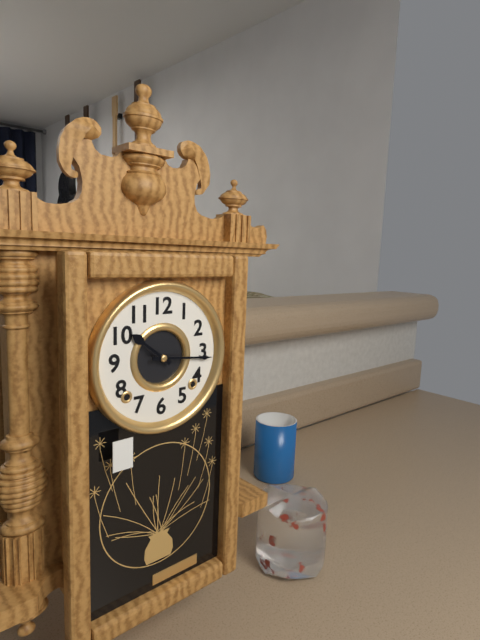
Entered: 10 h 16 min
